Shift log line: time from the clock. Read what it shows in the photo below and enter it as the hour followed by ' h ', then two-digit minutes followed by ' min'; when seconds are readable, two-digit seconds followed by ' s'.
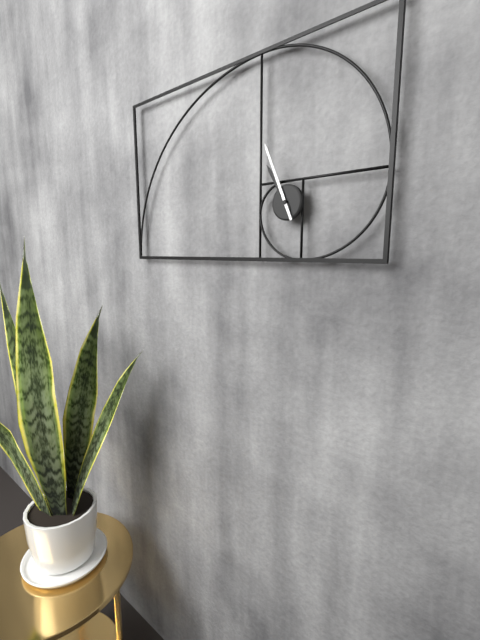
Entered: 10 h 56 min
